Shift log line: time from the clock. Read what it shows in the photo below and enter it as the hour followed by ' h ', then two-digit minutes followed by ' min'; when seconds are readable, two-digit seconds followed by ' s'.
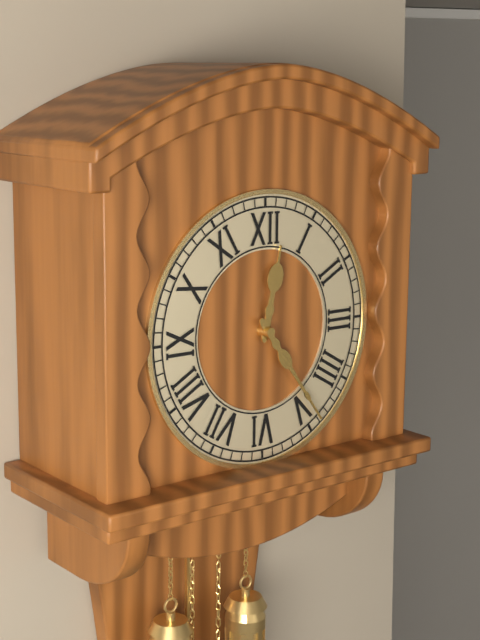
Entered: 12 h 24 min
